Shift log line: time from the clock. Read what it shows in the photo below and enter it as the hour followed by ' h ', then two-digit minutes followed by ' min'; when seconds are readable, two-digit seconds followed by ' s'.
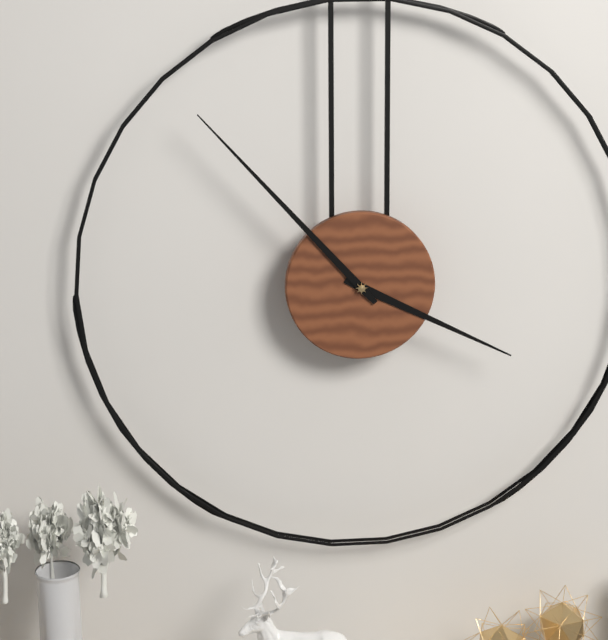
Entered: 3 h 53 min
